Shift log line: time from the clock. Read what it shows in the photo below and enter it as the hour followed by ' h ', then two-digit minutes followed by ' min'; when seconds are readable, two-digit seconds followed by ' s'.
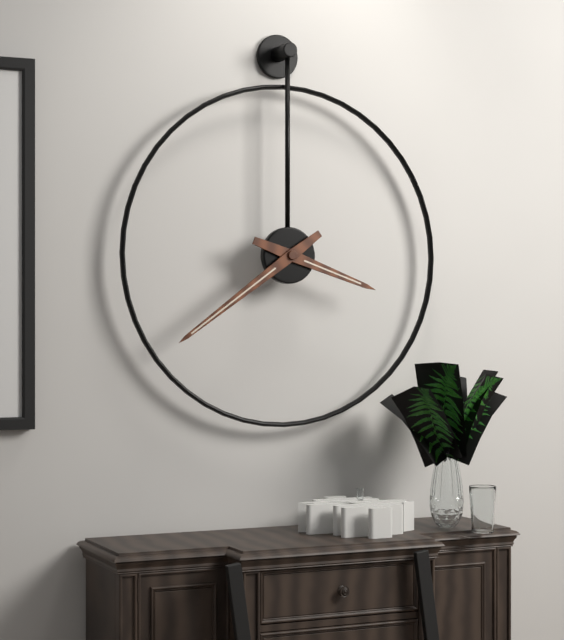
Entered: 3 h 39 min
